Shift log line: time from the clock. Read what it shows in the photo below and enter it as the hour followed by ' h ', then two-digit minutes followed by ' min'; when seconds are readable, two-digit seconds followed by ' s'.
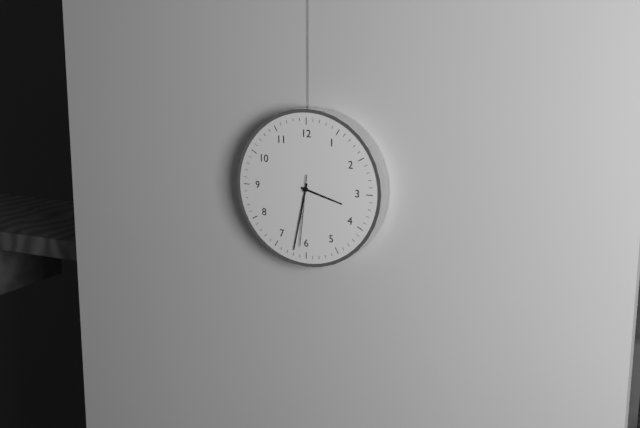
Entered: 3 h 32 min 31 s
